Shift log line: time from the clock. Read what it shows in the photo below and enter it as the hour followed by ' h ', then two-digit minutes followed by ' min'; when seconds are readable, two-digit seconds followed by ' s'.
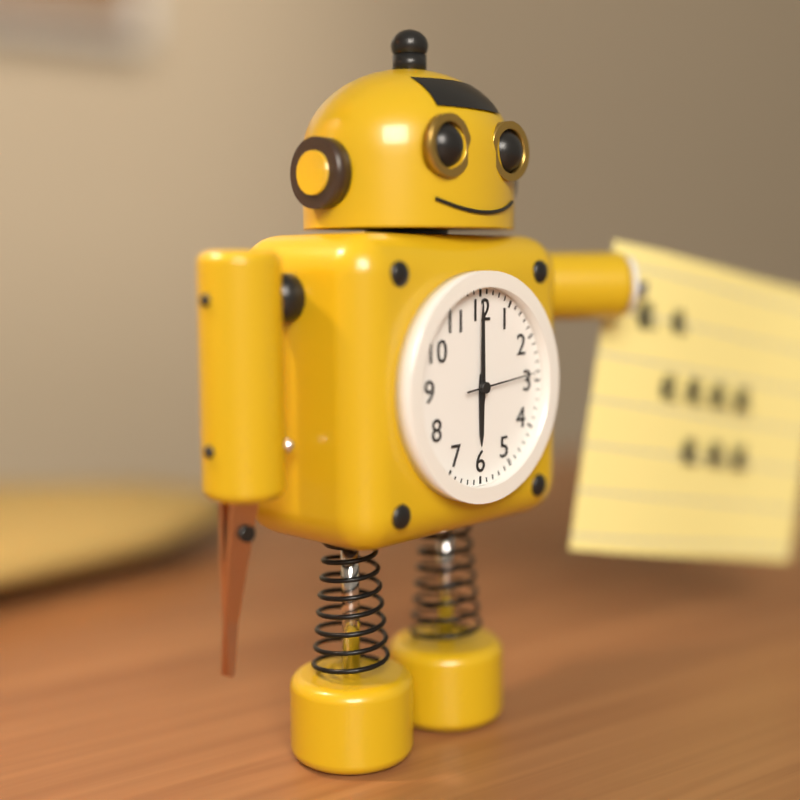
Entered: 6 h 00 min 14 s
